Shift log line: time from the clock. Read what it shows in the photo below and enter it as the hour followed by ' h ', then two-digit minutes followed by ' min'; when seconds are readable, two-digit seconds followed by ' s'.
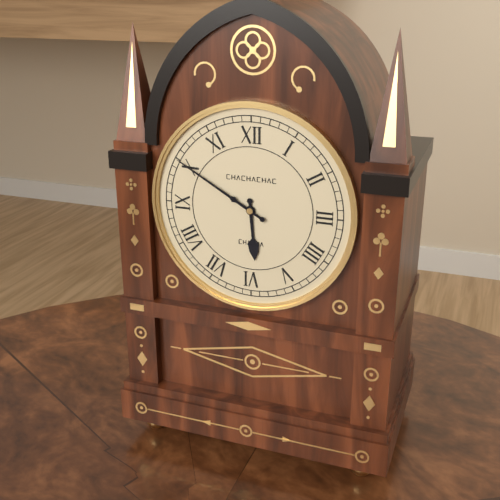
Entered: 5 h 50 min
